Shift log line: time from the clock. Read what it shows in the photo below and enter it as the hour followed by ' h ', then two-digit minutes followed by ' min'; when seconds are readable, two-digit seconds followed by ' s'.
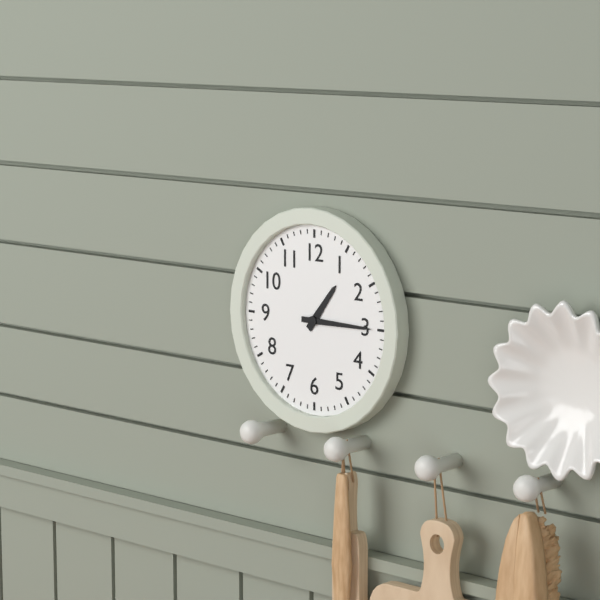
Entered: 1 h 15 min
